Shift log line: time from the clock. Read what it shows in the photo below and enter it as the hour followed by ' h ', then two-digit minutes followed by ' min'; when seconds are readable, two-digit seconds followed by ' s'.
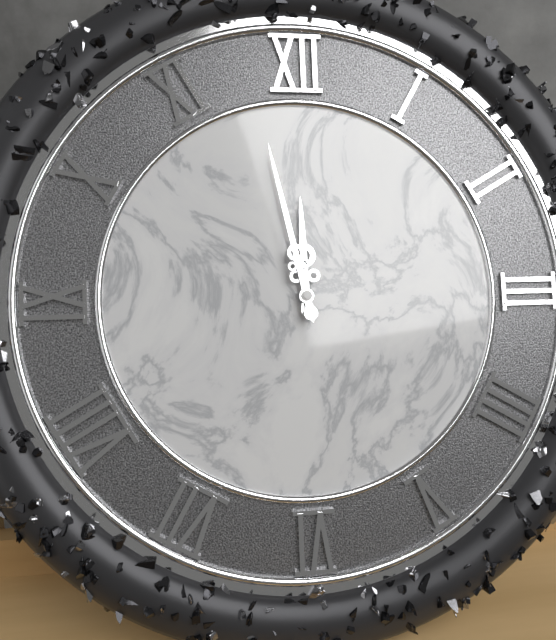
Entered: 11 h 58 min
